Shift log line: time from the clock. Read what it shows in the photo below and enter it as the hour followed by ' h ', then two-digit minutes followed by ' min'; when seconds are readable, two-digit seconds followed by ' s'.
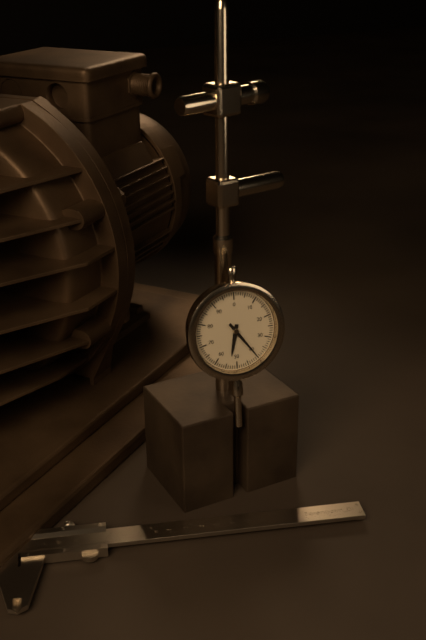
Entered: 6 h 24 min
